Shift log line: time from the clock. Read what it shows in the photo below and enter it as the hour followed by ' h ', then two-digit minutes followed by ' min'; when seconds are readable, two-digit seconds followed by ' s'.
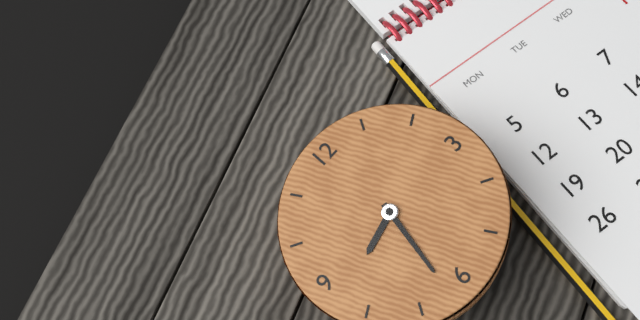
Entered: 8 h 32 min
